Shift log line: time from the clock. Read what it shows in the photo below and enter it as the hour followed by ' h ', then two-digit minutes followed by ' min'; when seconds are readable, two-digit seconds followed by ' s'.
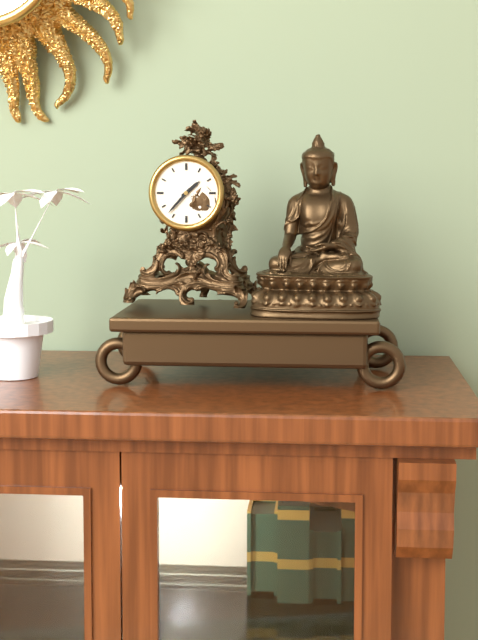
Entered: 1 h 37 min
